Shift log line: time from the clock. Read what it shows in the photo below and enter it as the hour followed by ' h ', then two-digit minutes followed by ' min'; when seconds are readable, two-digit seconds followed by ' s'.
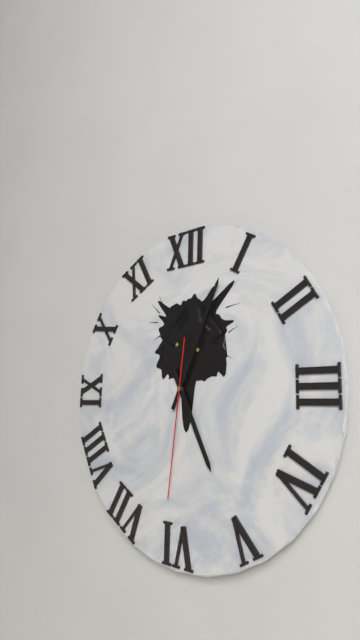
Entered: 5 h 04 min 31 s
